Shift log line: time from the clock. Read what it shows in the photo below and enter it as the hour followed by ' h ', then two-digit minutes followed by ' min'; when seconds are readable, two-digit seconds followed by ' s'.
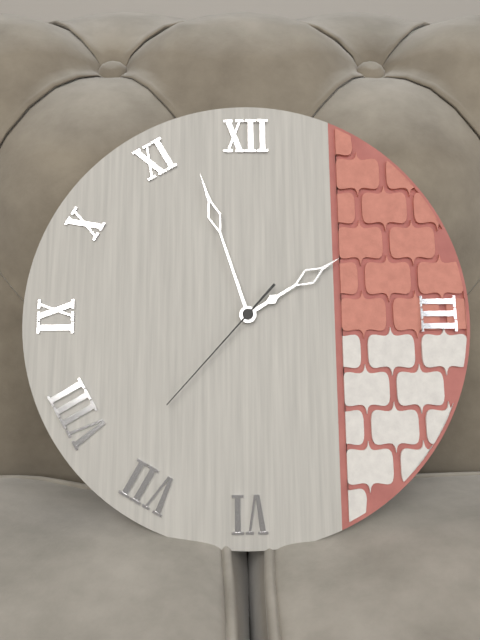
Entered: 1 h 57 min 37 s
